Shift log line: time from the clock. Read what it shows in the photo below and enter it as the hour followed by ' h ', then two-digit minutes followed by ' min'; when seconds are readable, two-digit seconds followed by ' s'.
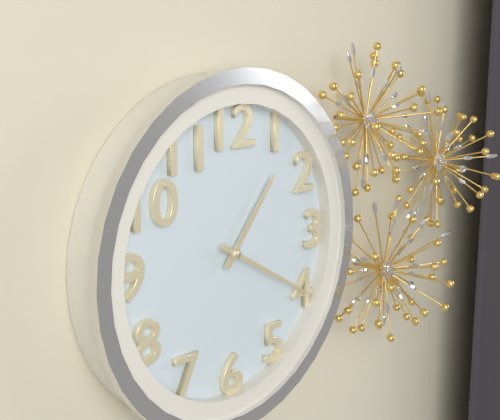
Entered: 1 h 20 min
